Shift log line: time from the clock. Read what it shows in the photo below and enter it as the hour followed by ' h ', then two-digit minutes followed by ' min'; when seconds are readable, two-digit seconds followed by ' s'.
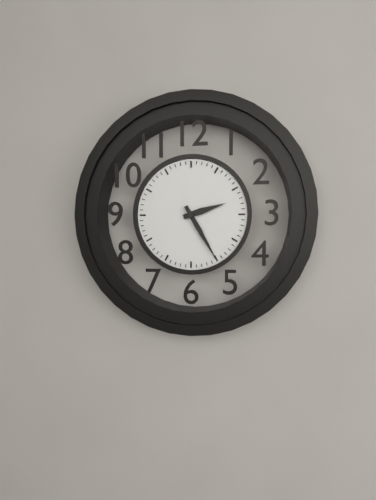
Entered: 2 h 25 min
